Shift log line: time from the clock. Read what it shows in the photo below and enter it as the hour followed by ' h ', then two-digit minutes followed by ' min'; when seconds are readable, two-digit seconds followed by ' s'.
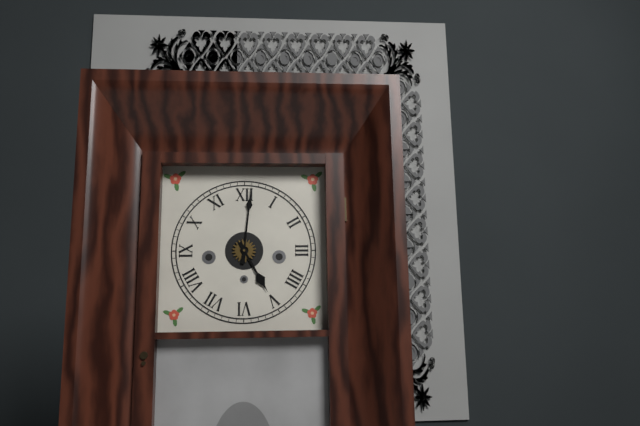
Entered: 5 h 01 min
